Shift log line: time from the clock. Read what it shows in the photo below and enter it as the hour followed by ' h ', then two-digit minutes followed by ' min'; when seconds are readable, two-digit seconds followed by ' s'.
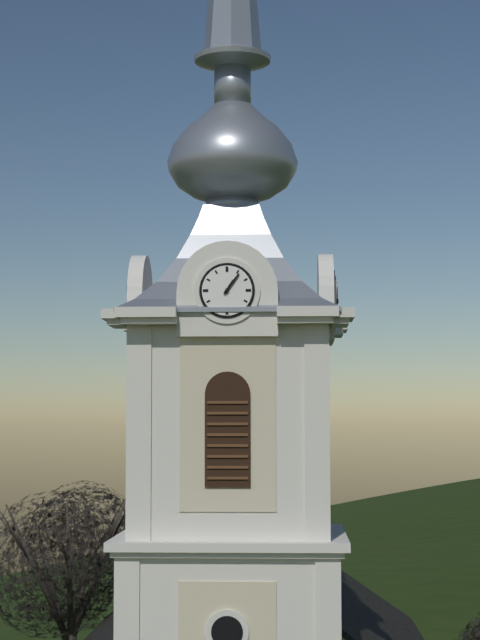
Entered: 1 h 06 min
